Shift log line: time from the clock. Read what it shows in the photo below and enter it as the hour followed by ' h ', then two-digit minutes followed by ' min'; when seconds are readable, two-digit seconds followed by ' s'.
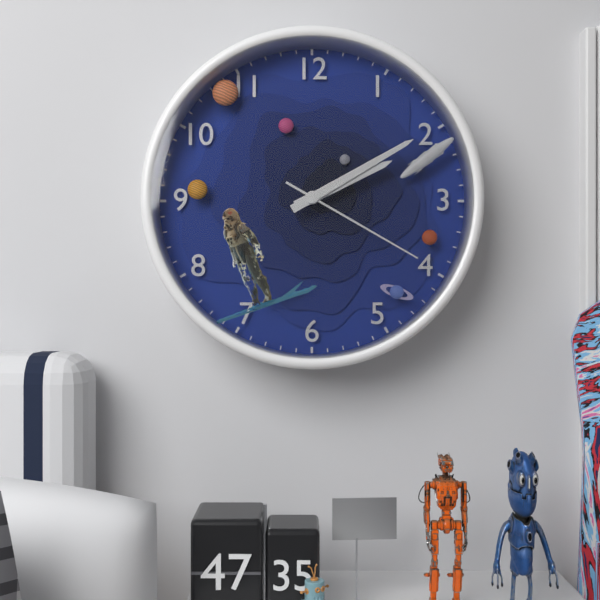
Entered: 2 h 10 min 20 s
